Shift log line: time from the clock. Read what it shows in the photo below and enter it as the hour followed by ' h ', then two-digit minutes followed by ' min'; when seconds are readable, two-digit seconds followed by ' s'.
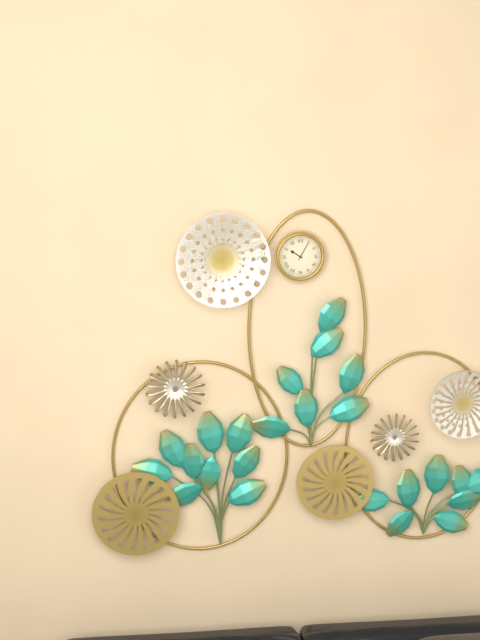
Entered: 10 h 05 min
